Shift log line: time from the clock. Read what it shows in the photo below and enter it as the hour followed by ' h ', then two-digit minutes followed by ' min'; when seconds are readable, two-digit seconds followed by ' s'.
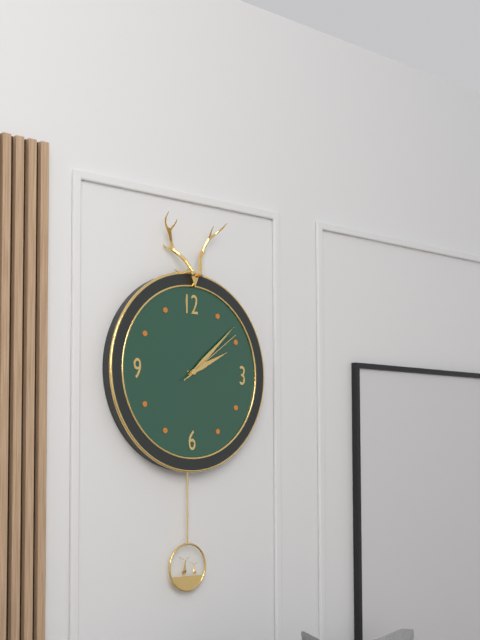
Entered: 2 h 08 min 09 s
